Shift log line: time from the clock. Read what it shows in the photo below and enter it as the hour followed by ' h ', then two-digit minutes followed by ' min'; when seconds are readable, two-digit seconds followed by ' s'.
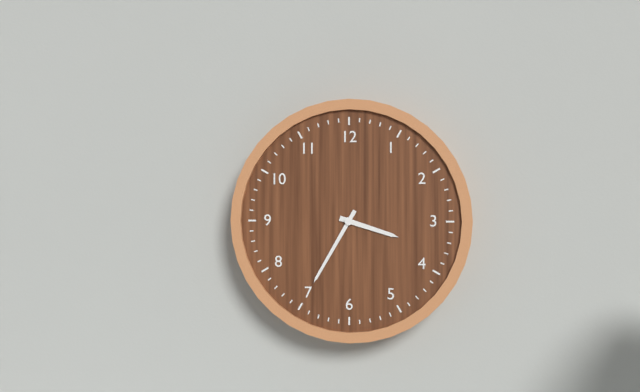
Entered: 3 h 35 min
